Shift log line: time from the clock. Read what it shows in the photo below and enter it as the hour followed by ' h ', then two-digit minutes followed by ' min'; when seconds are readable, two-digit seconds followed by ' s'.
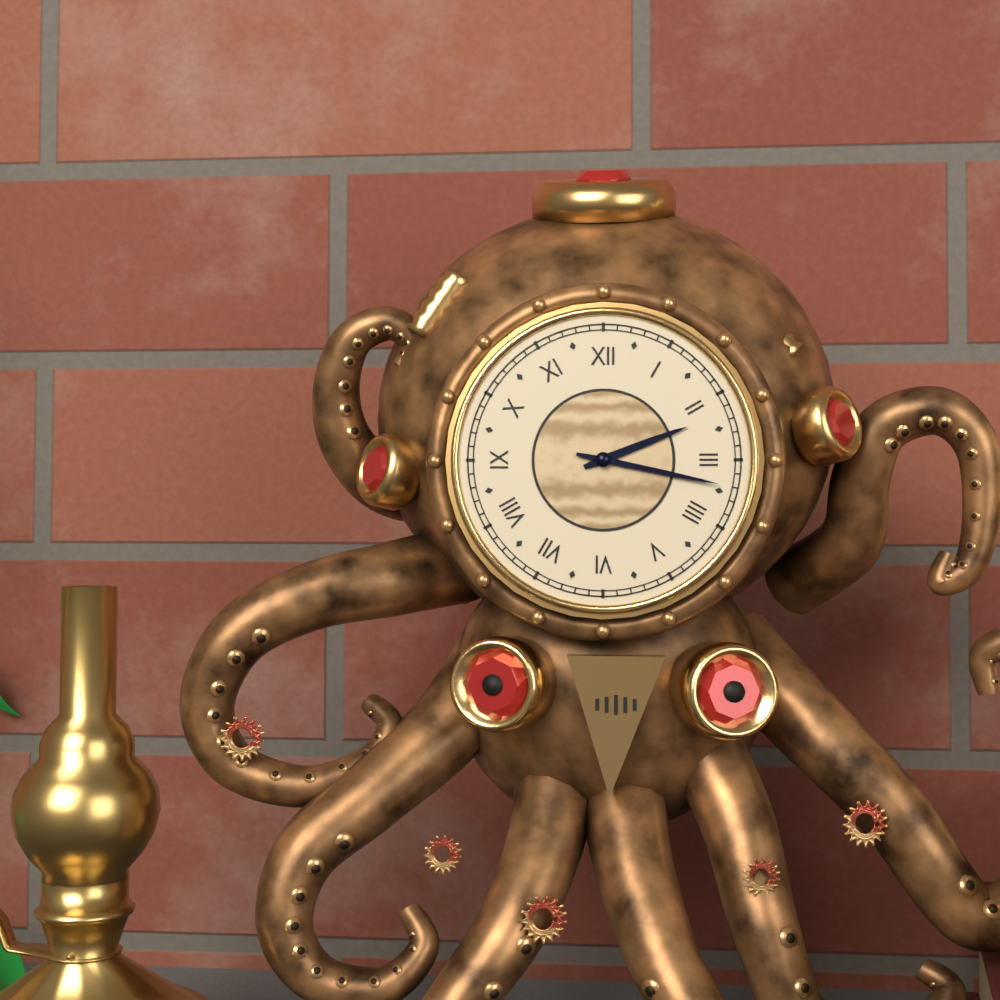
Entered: 2 h 17 min
